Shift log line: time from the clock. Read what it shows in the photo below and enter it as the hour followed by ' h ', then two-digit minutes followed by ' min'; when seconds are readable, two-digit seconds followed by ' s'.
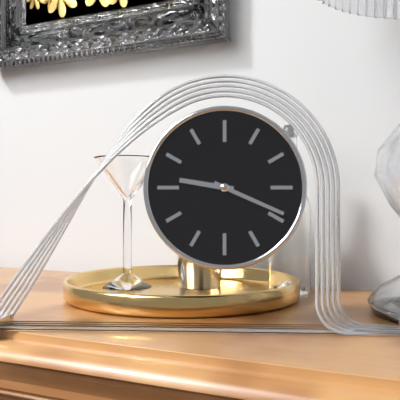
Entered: 9 h 19 min
